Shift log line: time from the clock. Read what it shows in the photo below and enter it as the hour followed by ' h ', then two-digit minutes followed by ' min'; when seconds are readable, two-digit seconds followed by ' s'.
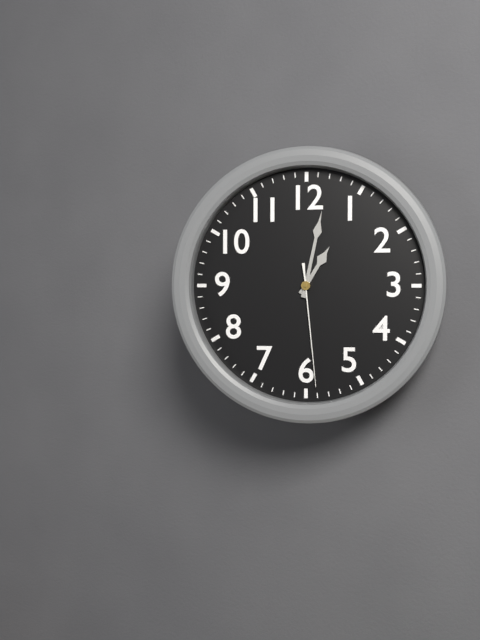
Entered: 1 h 02 min 29 s
